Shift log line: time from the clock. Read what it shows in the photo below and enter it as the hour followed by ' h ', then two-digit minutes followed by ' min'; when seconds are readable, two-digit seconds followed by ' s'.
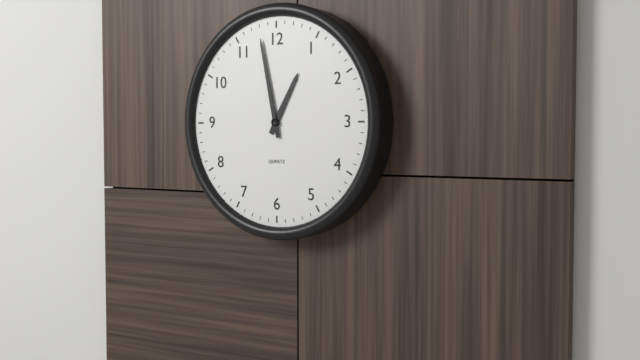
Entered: 12 h 58 min
